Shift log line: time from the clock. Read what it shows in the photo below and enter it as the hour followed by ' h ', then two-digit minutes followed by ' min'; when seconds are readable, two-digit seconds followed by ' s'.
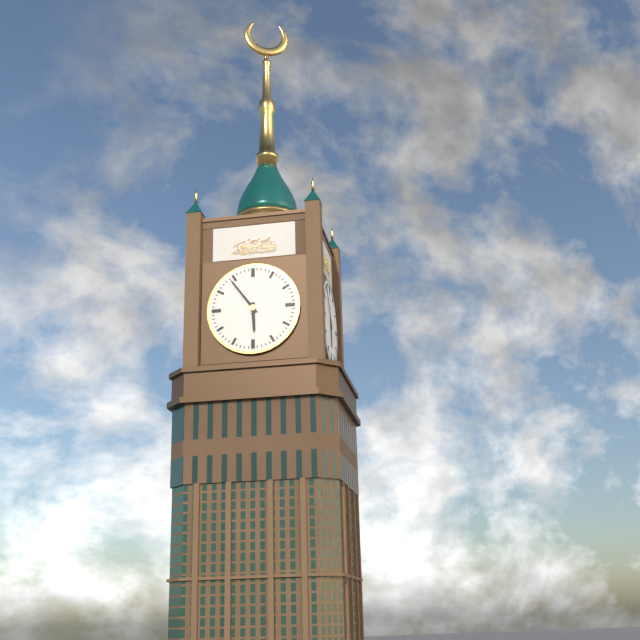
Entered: 5 h 54 min
